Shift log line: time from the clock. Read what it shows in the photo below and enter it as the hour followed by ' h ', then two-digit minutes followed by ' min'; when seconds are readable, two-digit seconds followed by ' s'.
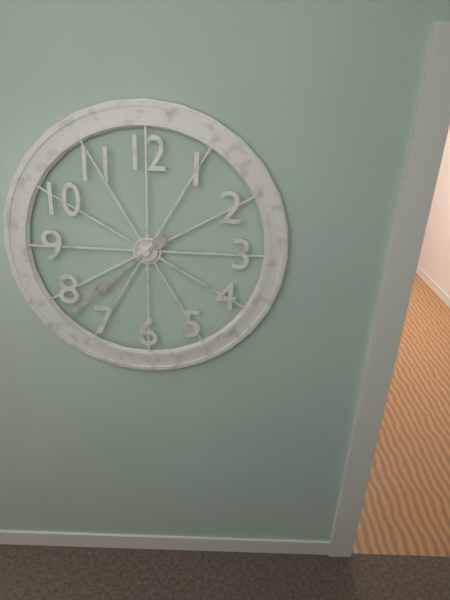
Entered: 7 h 38 min
